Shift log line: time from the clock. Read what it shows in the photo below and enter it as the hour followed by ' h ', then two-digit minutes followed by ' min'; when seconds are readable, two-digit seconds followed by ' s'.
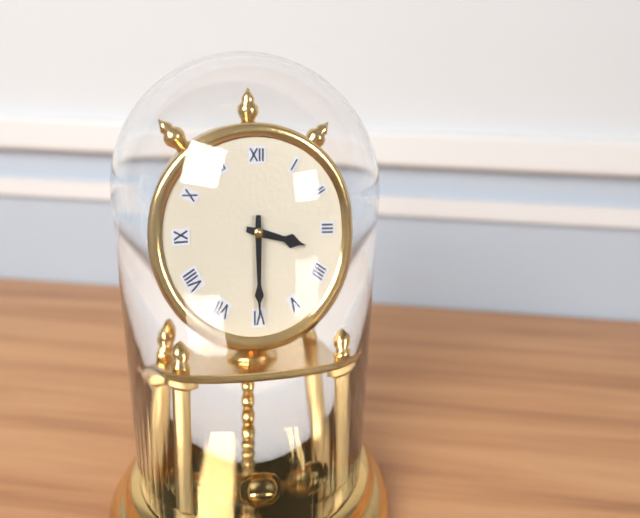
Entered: 3 h 30 min
